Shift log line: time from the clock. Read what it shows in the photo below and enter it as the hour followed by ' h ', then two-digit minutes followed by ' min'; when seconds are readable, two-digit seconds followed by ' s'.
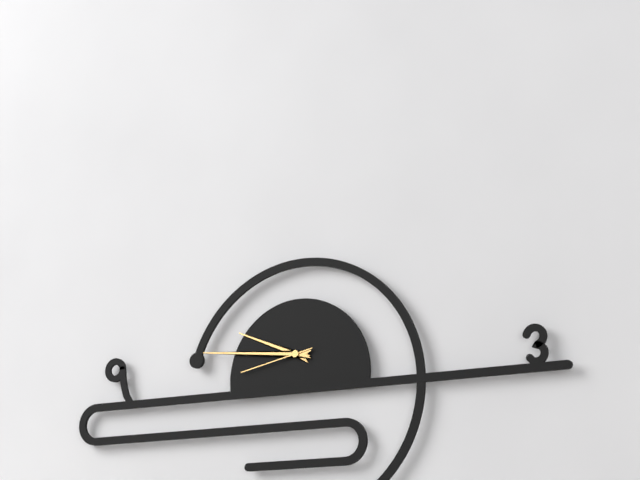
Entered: 9 h 46 min 43 s
